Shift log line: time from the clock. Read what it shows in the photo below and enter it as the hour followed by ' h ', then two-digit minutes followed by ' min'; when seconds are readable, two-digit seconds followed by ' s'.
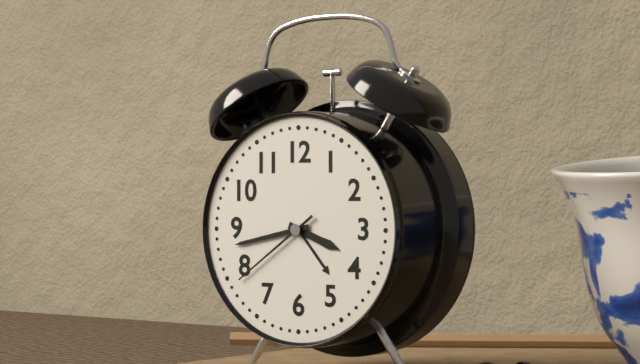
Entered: 3 h 43 min 39 s
